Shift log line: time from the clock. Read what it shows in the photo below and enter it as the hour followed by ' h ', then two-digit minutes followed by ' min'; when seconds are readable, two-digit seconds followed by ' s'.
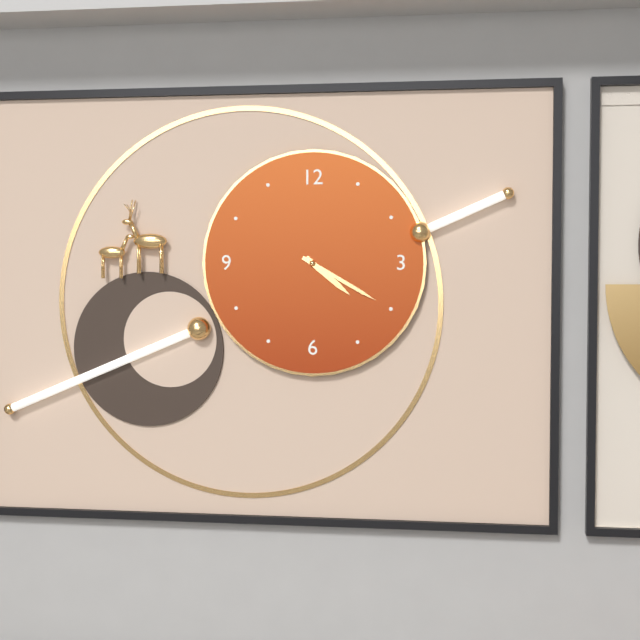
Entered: 4 h 20 min
